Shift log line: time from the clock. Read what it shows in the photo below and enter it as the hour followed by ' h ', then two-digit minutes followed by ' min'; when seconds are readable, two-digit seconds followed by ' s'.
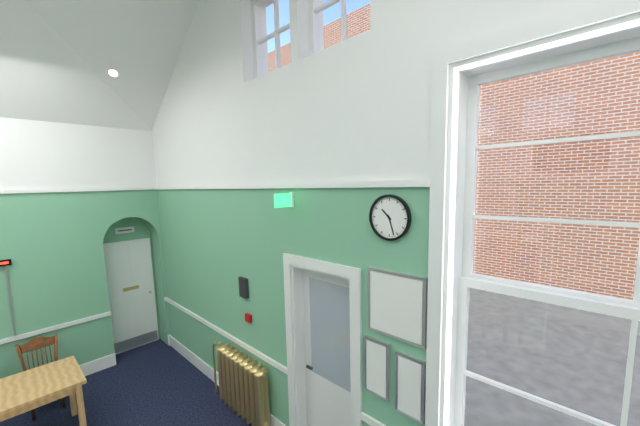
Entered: 10 h 27 min
